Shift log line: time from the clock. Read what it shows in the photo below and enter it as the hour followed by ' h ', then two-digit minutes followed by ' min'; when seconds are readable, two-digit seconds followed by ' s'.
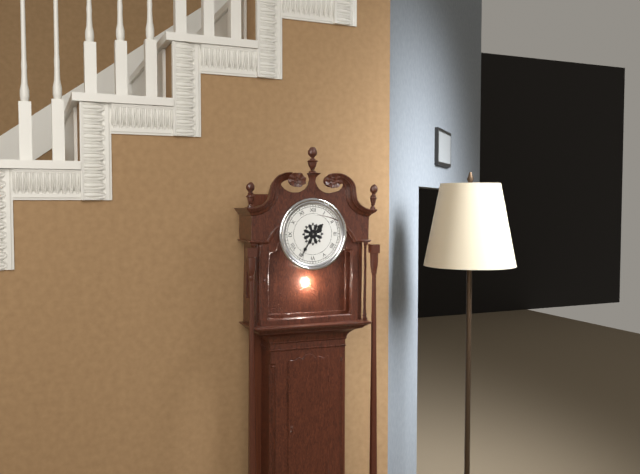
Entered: 1 h 35 min
